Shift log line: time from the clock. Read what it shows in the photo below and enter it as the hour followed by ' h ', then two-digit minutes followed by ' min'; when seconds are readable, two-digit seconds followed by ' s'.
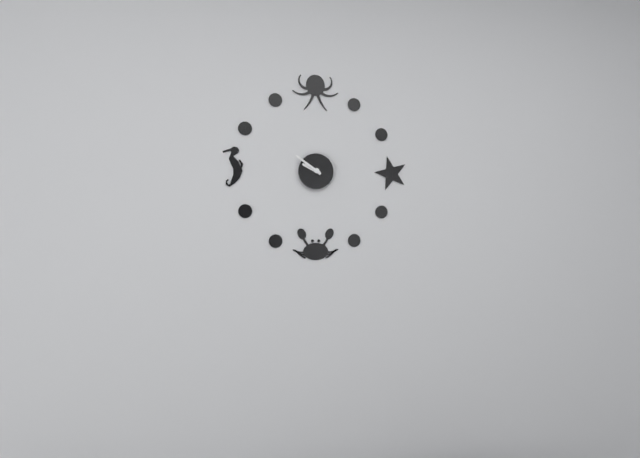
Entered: 9 h 51 min
